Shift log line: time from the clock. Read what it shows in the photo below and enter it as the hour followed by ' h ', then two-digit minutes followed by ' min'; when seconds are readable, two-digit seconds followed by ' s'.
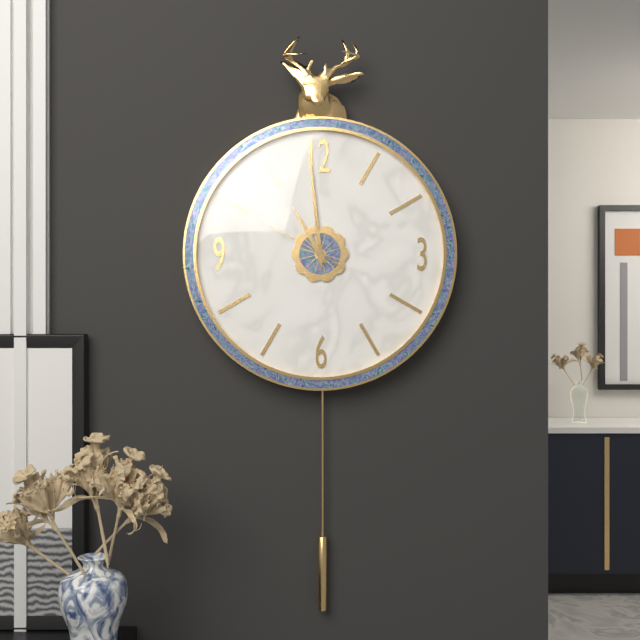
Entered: 10 h 59 min 50 s
